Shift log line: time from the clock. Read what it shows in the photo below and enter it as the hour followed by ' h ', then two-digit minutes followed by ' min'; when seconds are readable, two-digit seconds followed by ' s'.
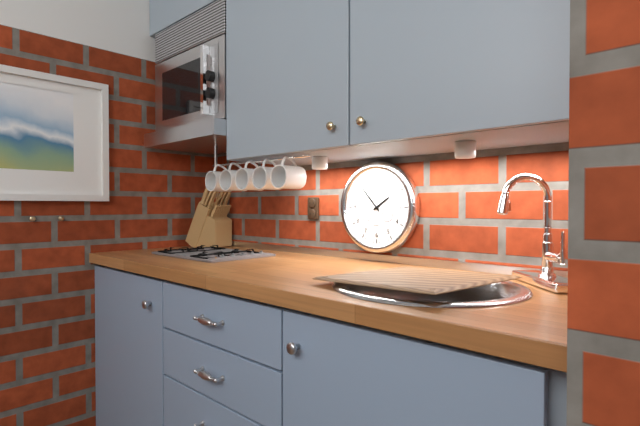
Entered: 1 h 53 min
